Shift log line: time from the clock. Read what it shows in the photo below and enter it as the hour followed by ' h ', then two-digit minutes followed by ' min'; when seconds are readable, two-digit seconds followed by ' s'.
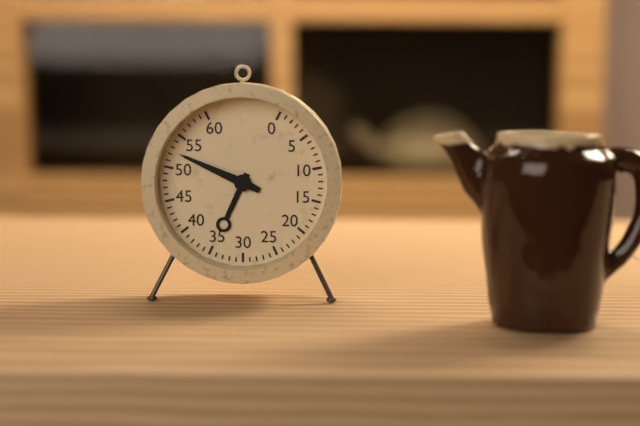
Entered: 6 h 49 min
